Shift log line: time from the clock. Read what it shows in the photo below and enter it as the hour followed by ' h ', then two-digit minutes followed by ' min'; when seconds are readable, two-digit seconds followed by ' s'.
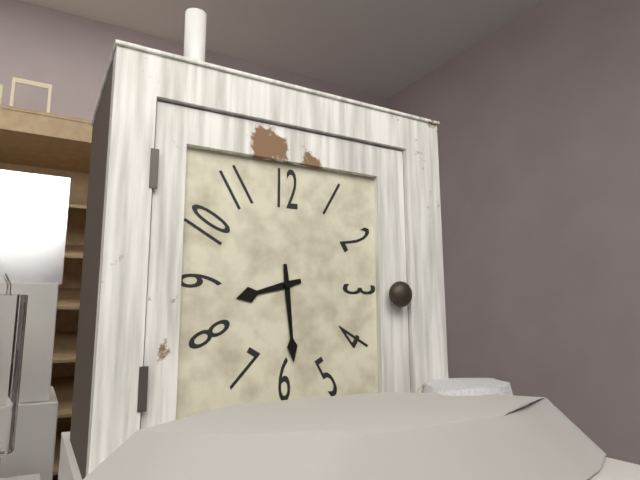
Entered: 8 h 29 min
